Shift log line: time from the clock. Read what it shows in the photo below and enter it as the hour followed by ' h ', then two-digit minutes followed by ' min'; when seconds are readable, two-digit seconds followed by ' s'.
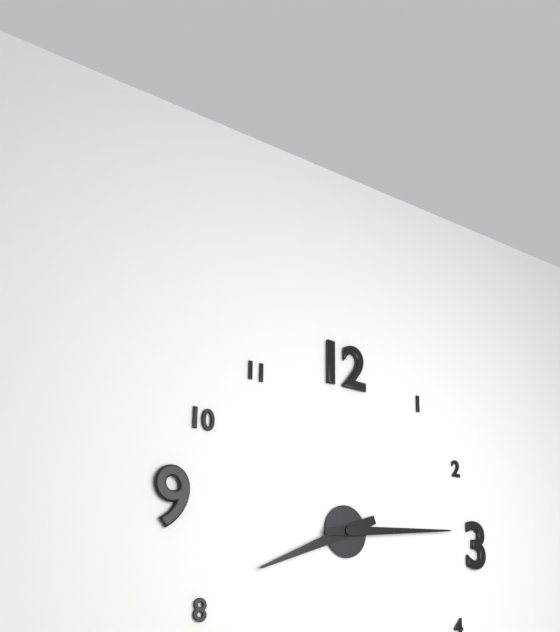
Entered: 8 h 14 min
